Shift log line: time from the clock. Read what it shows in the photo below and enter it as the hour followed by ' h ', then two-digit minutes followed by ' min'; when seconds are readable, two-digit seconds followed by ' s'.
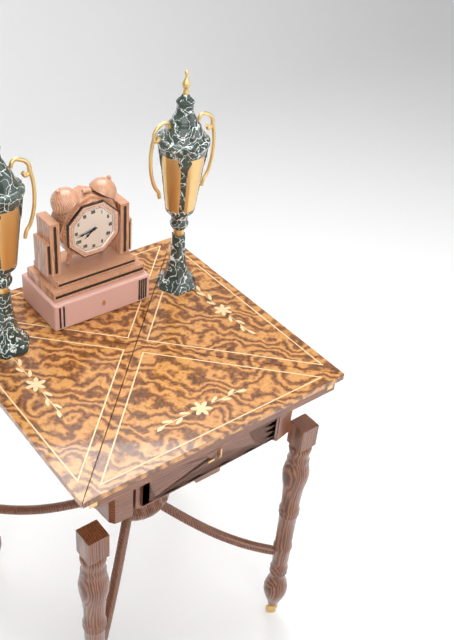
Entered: 7 h 43 min
